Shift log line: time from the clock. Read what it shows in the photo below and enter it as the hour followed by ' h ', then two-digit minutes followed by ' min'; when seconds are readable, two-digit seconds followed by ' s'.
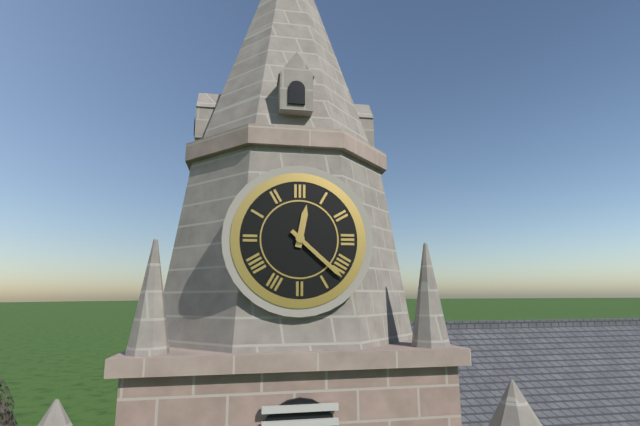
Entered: 12 h 22 min
